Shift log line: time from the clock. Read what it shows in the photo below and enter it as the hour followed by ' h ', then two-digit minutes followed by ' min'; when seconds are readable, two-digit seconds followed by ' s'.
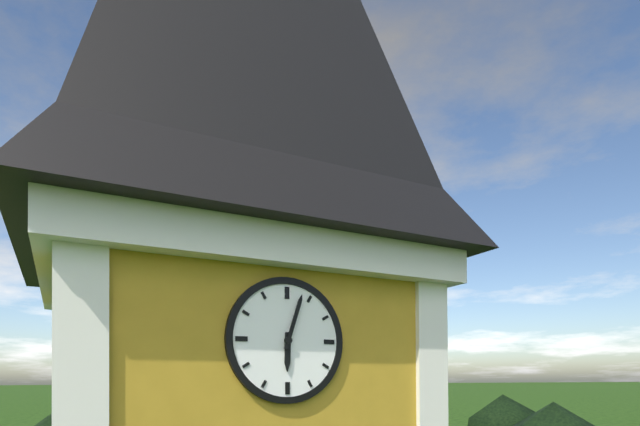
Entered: 6 h 03 min
